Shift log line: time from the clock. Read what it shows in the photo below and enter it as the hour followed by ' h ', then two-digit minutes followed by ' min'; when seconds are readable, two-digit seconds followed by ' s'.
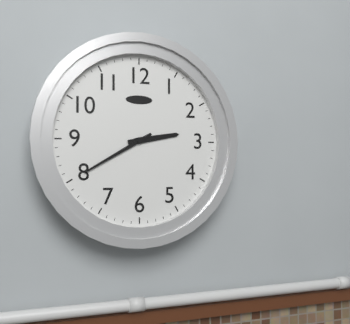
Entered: 2 h 40 min
